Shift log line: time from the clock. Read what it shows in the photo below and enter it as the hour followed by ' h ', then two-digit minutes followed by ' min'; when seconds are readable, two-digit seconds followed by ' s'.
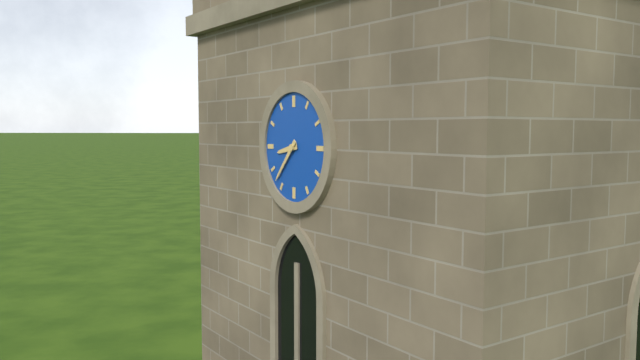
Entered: 8 h 37 min
